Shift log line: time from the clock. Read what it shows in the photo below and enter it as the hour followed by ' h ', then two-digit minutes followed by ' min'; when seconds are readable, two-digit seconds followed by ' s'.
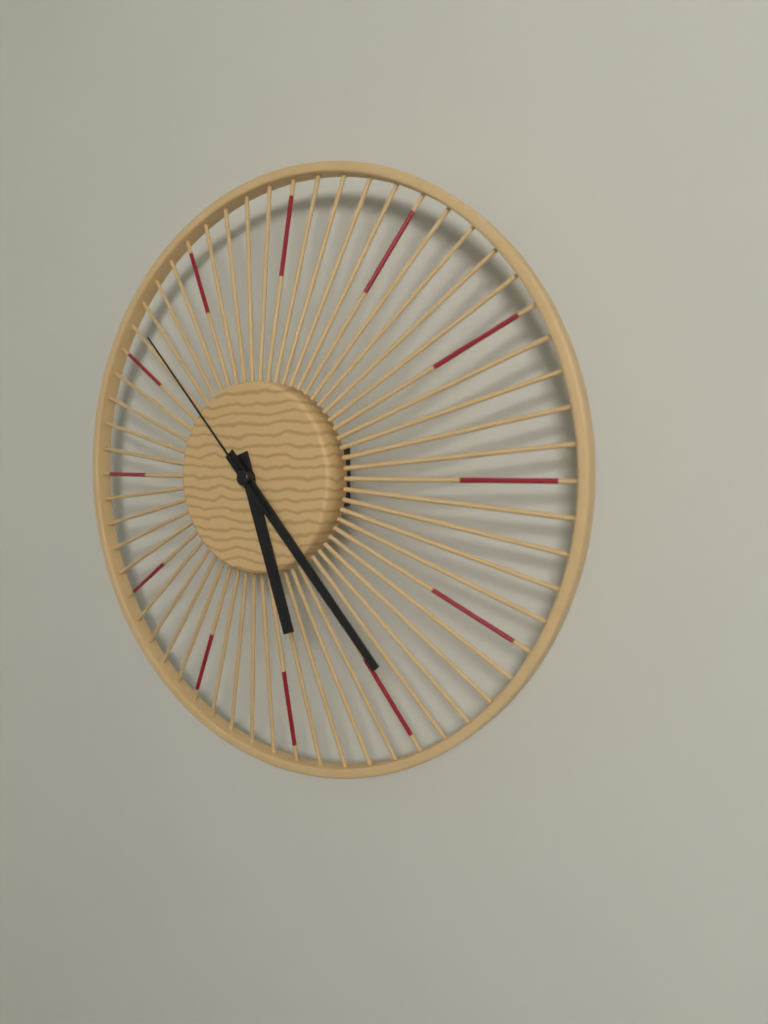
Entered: 5 h 23 min 53 s
